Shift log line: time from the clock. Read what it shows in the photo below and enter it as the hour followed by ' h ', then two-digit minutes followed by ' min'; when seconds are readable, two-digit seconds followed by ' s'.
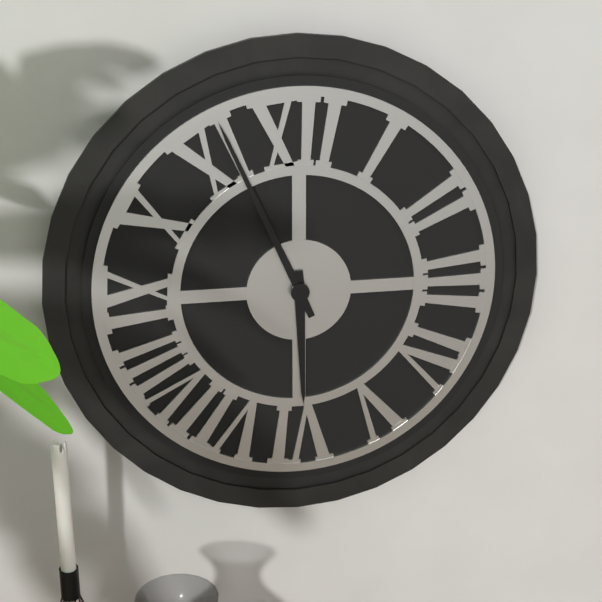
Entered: 5 h 56 min
